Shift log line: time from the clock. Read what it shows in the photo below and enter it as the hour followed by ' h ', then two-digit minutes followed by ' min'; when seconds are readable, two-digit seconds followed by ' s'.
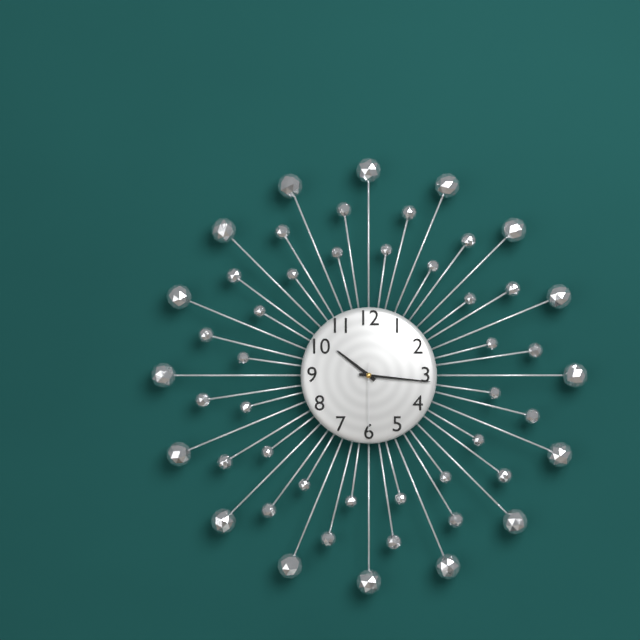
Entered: 10 h 16 min 30 s
